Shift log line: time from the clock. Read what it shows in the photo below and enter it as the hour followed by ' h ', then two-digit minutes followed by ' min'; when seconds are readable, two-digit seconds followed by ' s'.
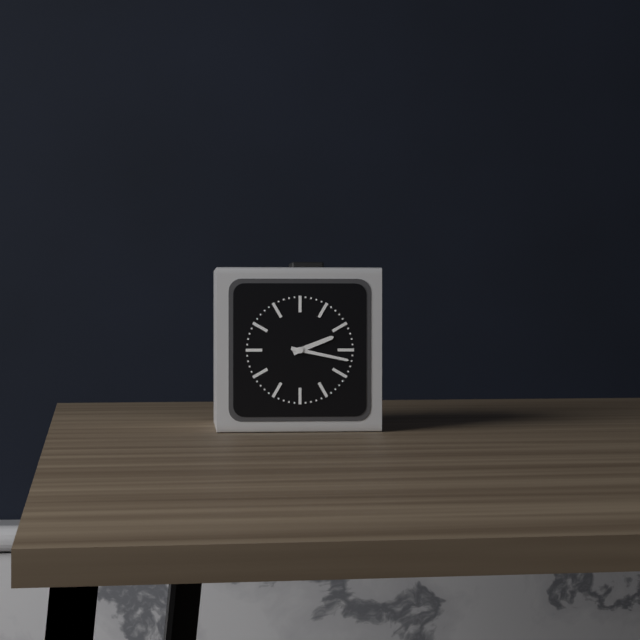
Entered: 2 h 17 min
